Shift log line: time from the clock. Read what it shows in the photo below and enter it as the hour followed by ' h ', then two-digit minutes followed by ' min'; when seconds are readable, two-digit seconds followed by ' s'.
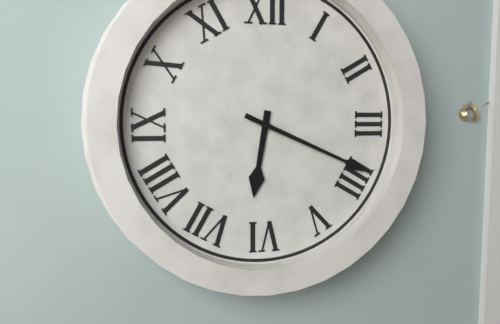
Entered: 6 h 19 min
